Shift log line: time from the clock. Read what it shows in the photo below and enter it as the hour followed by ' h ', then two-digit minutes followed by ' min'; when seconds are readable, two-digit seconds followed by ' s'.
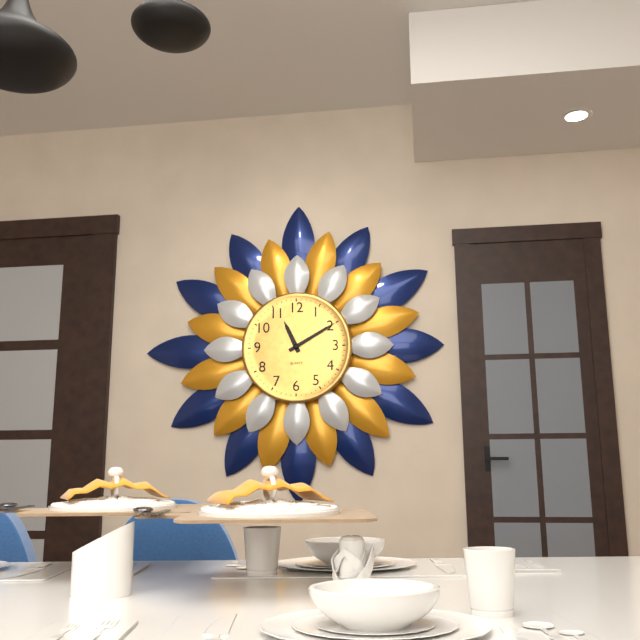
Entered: 11 h 10 min
